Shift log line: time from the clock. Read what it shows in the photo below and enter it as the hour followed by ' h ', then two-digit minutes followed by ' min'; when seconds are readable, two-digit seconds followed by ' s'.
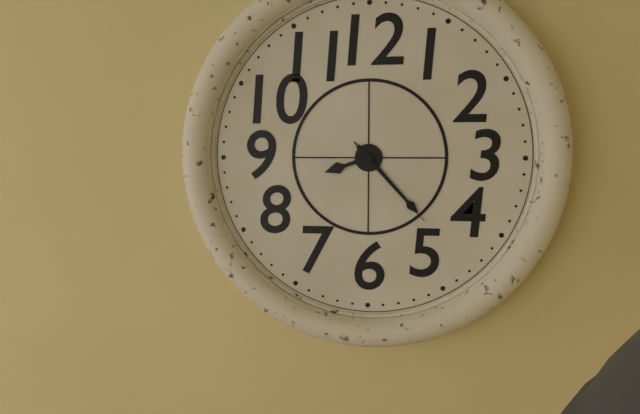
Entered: 8 h 23 min 23 s
